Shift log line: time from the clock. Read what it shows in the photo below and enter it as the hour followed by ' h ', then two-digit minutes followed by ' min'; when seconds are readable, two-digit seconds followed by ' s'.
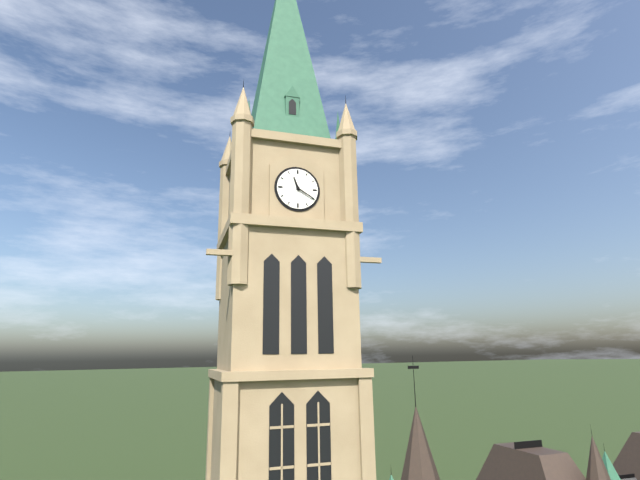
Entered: 11 h 20 min
